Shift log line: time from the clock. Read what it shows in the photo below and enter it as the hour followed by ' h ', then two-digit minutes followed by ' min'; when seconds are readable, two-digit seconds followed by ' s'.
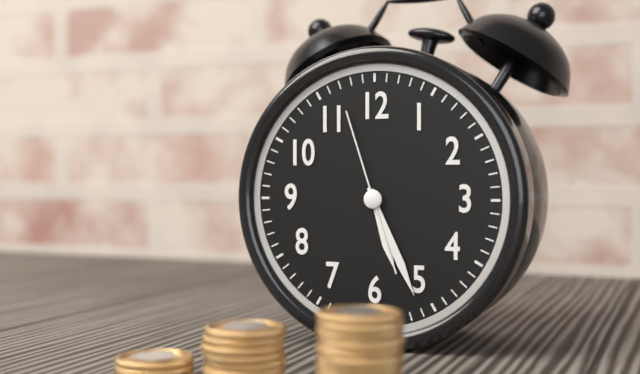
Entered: 5 h 26 min 57 s
